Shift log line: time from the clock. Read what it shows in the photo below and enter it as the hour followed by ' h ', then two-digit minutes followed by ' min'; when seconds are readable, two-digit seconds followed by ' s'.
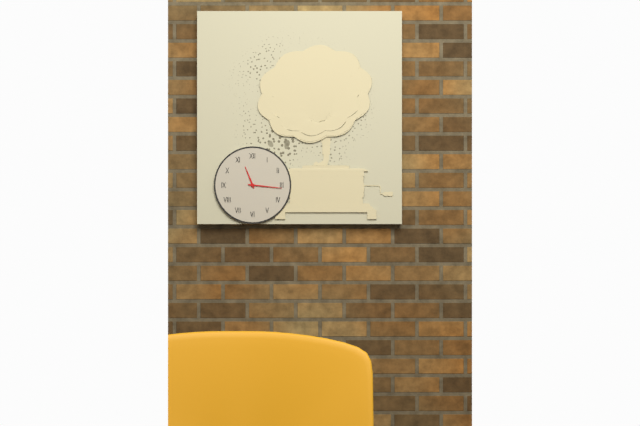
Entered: 11 h 16 min
